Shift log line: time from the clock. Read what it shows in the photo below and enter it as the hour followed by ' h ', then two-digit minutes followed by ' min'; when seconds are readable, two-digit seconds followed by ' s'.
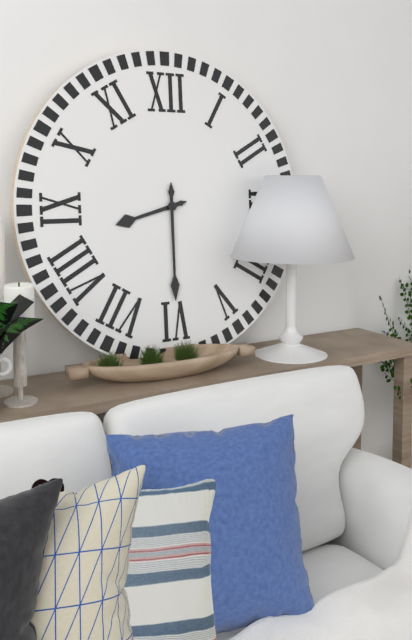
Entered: 8 h 30 min
